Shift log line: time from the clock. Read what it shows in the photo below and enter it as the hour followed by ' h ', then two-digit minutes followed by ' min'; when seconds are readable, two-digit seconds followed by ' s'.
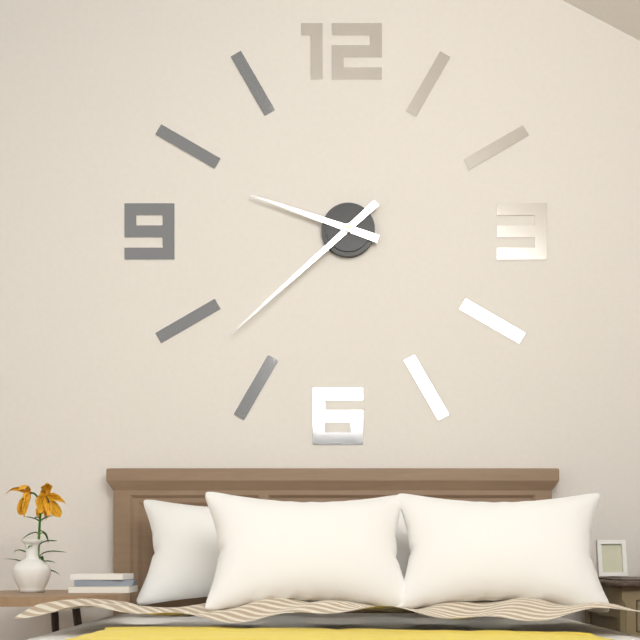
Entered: 9 h 38 min
